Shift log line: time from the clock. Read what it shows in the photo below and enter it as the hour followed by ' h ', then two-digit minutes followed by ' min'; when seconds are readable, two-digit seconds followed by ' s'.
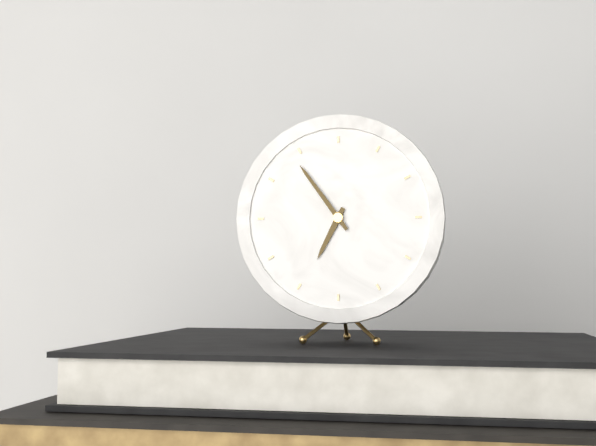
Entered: 6 h 54 min
